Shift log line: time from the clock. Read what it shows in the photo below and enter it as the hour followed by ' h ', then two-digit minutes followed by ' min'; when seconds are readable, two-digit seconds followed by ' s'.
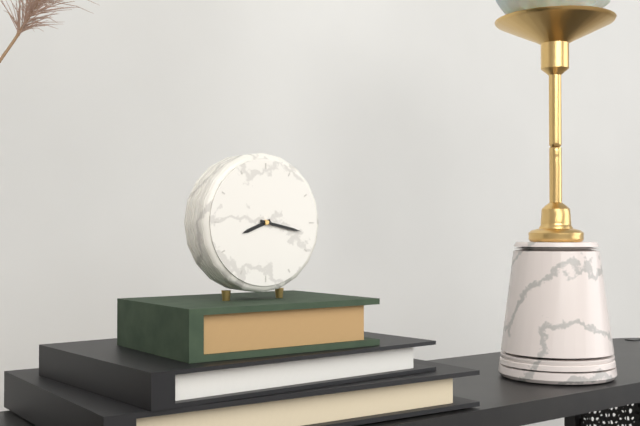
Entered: 8 h 17 min
